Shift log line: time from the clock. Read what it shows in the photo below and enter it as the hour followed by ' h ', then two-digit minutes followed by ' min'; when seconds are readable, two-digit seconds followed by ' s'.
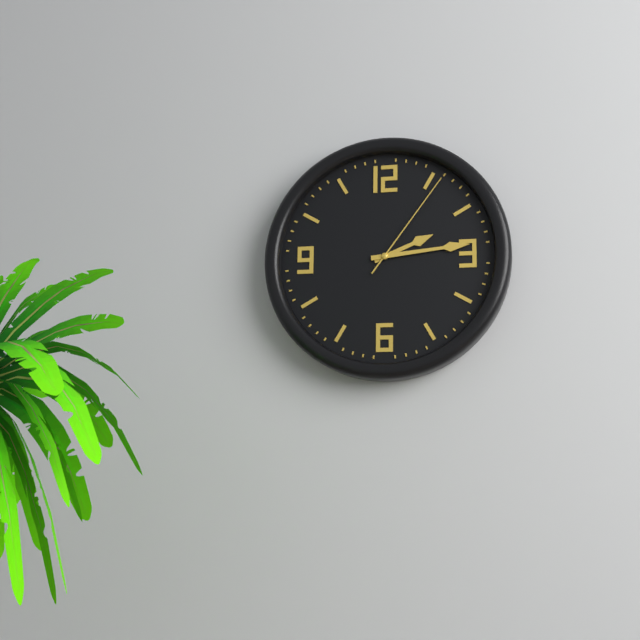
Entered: 2 h 14 min 06 s
